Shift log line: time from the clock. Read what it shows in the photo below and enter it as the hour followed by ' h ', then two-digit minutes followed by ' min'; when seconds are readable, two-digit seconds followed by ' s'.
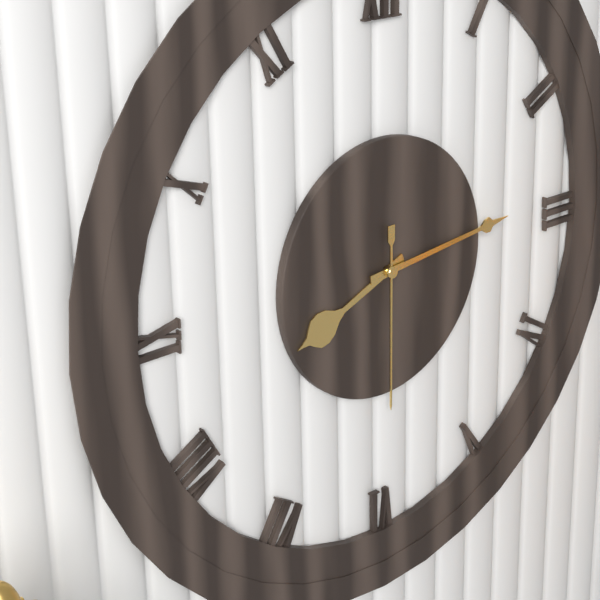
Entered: 8 h 14 min 30 s
